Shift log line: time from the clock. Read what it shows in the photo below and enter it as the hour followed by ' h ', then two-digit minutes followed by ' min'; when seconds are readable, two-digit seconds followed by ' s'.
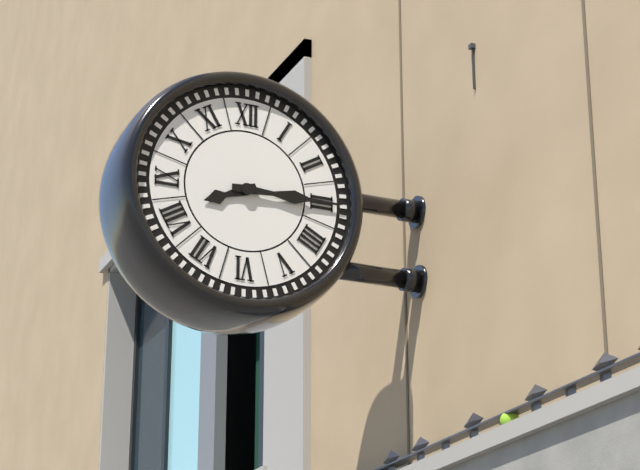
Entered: 8 h 15 min
